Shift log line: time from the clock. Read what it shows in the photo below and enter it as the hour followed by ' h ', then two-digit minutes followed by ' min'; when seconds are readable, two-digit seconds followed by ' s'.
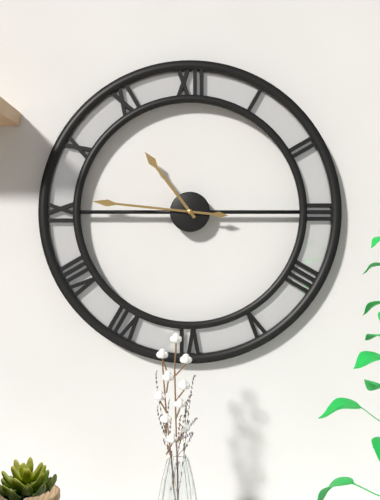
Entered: 10 h 46 min
